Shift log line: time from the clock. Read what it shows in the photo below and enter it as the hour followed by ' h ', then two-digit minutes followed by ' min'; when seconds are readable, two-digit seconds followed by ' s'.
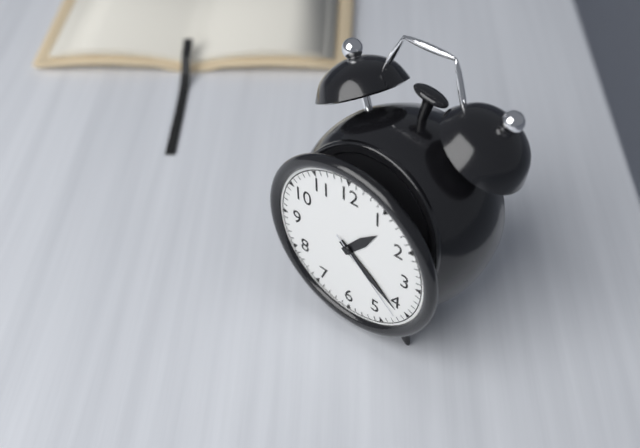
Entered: 1 h 21 min 22 s
